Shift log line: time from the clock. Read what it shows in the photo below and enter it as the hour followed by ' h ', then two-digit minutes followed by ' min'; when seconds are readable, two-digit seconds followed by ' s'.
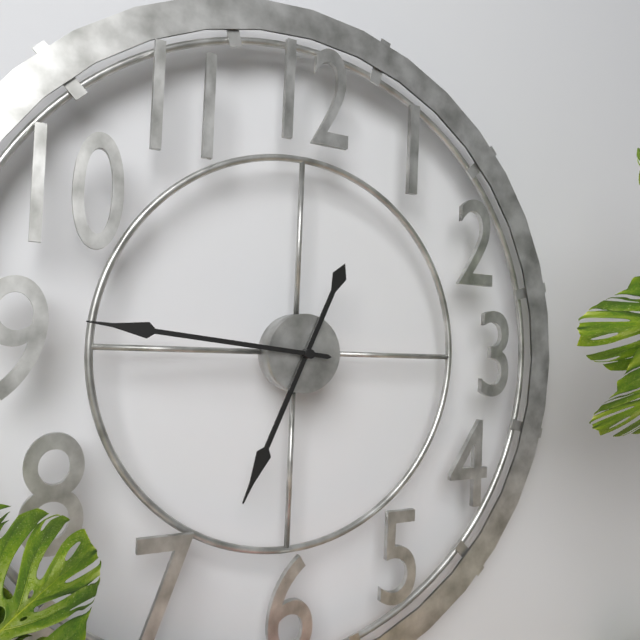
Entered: 6 h 46 min
